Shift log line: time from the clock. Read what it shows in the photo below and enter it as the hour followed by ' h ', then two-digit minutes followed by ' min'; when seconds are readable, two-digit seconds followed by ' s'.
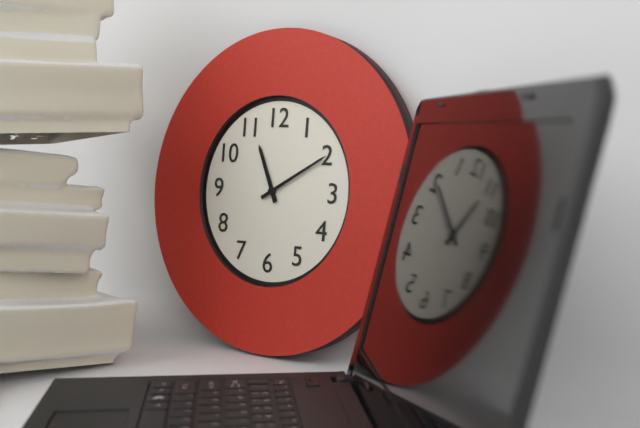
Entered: 11 h 10 min
